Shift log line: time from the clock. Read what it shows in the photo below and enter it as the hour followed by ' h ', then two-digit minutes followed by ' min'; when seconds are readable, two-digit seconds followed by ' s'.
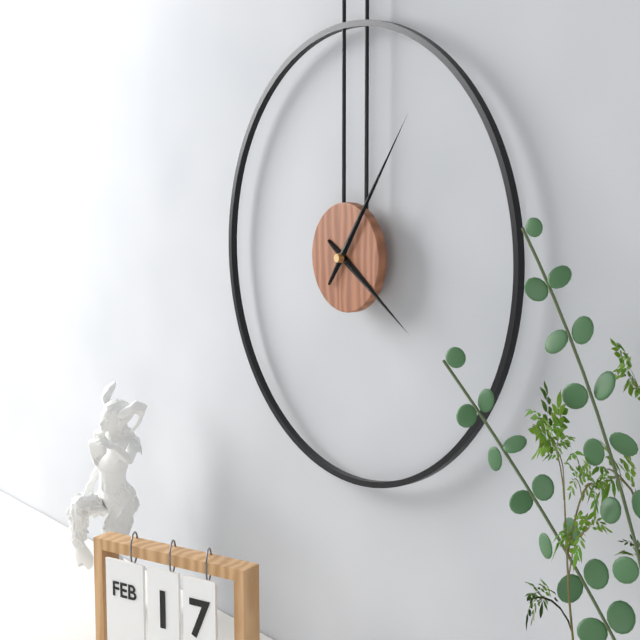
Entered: 4 h 06 min
